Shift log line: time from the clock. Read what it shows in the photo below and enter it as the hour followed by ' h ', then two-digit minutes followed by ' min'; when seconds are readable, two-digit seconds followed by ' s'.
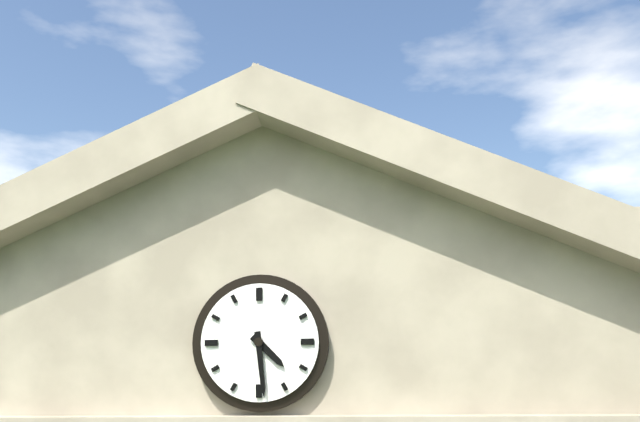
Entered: 4 h 29 min
